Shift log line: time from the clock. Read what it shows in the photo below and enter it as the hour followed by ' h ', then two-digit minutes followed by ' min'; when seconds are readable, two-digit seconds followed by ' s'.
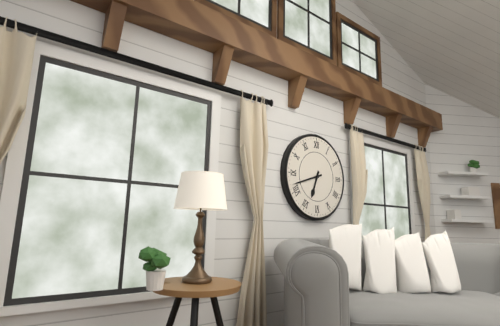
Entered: 6 h 42 min
